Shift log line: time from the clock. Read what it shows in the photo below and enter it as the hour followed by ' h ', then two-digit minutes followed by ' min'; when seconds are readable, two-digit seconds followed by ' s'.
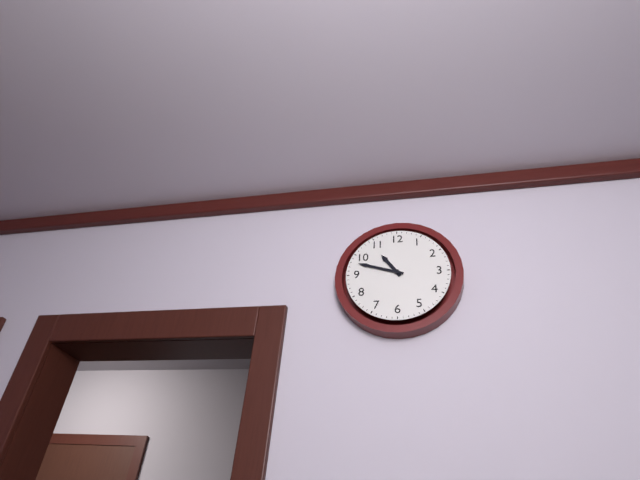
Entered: 10 h 48 min
